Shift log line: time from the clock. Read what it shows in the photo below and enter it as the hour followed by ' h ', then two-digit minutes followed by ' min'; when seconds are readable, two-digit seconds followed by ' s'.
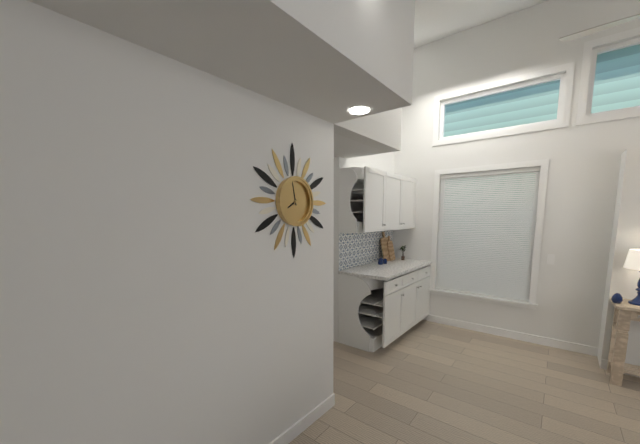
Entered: 7 h 58 min
